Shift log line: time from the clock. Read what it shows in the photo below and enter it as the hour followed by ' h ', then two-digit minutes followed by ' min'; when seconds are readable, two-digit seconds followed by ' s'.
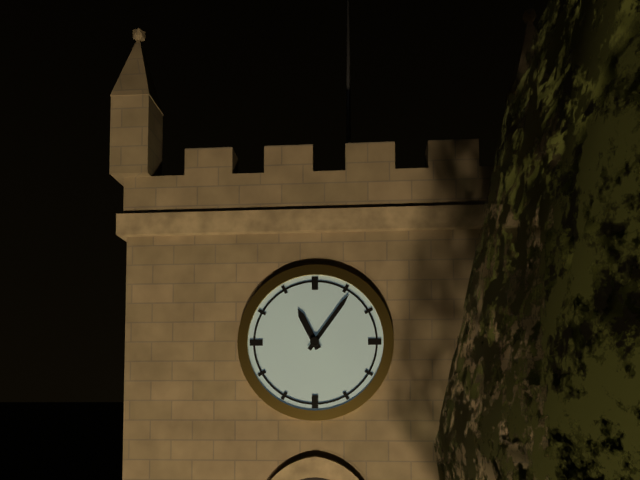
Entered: 11 h 06 min
